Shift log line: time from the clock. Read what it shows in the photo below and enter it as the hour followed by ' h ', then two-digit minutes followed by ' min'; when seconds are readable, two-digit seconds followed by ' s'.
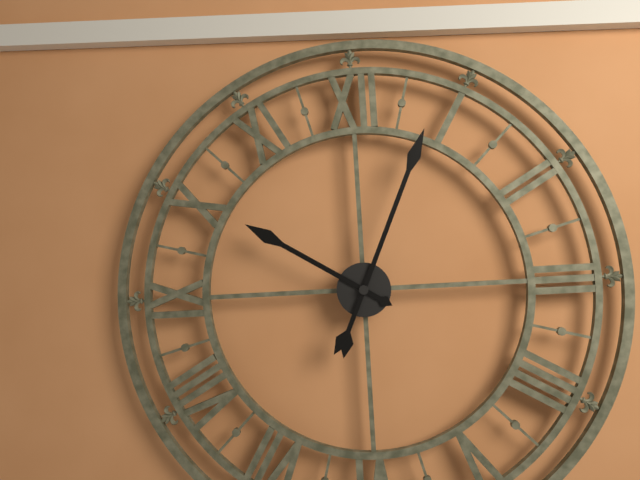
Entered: 10 h 04 min
